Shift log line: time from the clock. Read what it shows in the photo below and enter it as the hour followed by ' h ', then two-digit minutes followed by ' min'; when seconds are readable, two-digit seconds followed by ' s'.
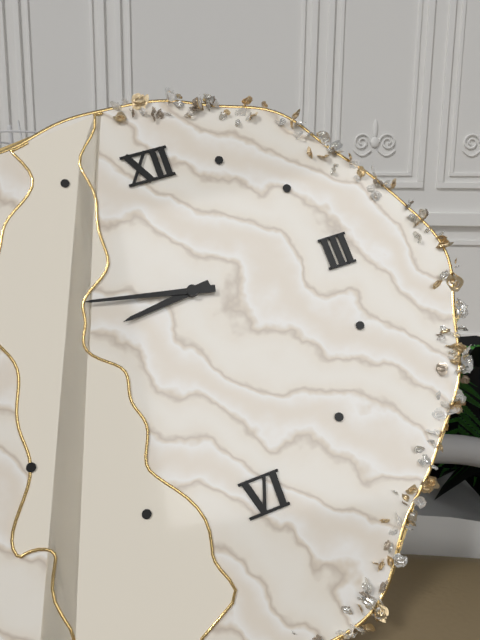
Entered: 8 h 47 min
